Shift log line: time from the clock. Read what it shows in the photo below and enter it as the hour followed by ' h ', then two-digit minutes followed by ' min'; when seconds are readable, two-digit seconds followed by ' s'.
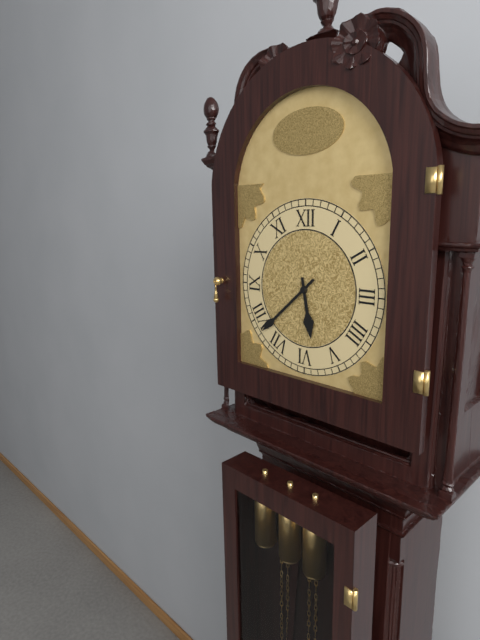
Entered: 5 h 38 min
